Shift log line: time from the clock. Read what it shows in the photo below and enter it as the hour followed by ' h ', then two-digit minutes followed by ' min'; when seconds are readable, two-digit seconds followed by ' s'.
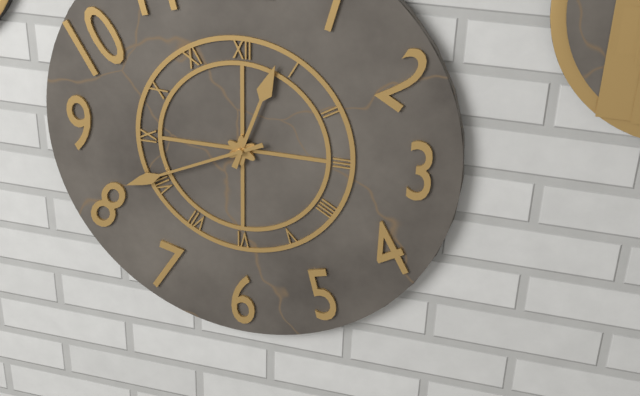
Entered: 12 h 41 min
